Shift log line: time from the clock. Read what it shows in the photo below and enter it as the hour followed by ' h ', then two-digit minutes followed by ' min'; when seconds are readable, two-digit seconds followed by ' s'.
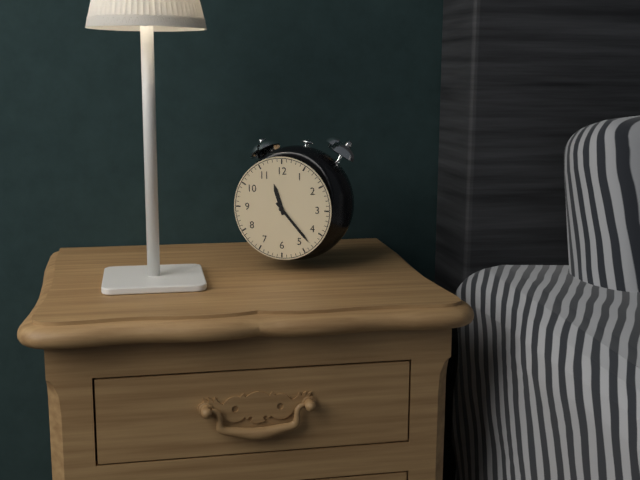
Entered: 11 h 23 min
